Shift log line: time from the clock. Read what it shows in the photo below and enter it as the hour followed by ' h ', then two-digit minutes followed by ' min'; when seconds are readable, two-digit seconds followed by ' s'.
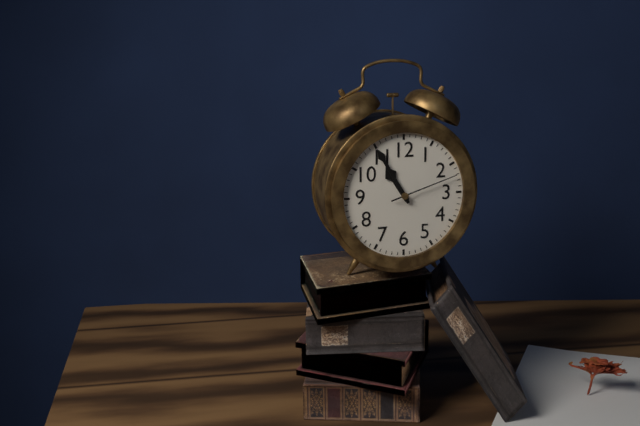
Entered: 10 h 55 min 12 s
